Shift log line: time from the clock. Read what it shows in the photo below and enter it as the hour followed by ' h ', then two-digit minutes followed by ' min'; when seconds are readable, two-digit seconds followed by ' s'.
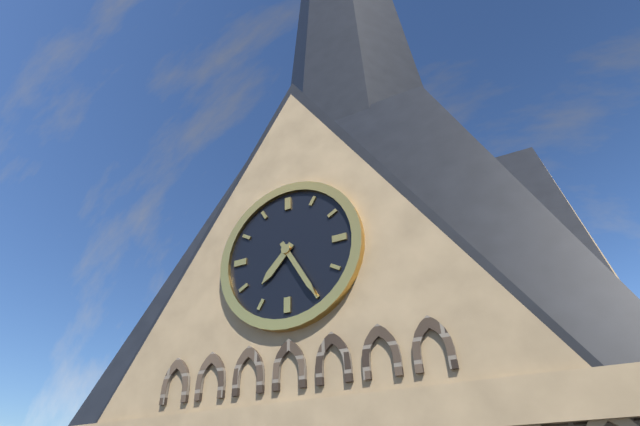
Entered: 7 h 25 min
